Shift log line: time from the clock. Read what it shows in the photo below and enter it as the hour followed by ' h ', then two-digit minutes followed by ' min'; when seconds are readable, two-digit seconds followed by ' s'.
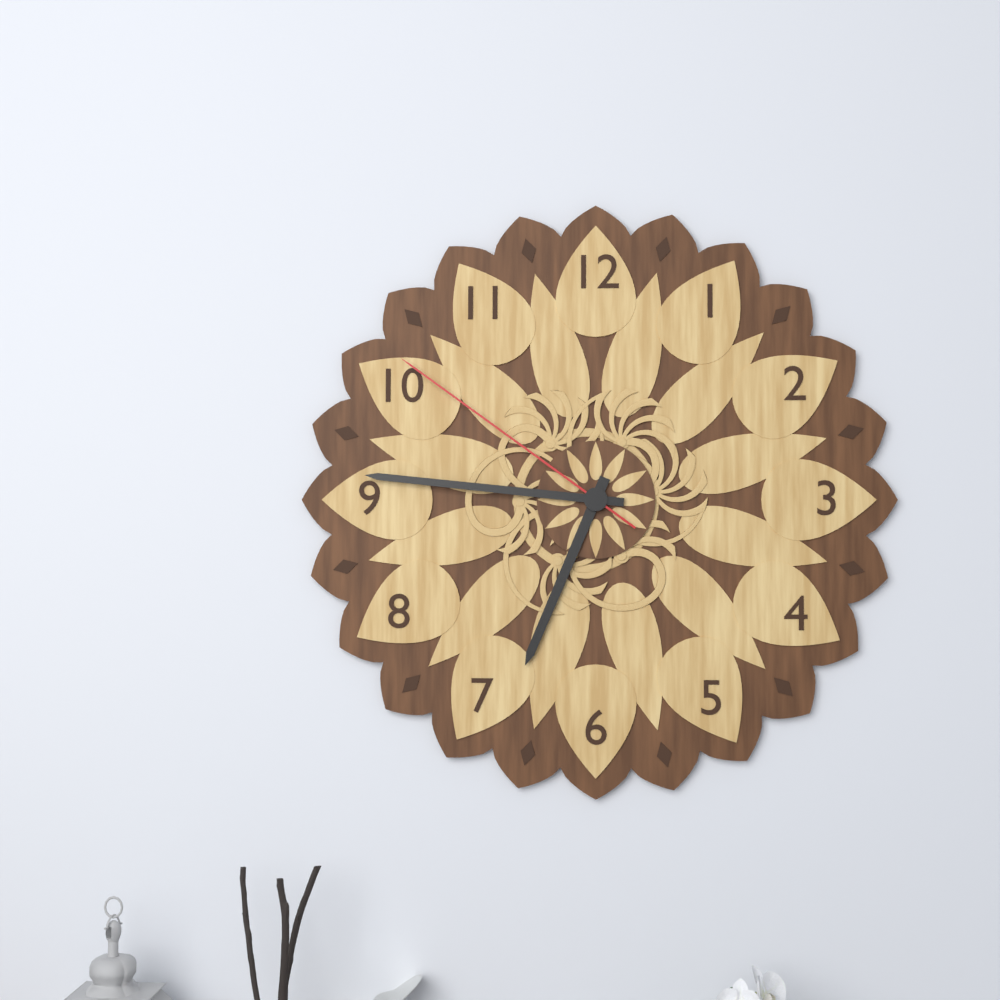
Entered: 6 h 46 min 51 s
